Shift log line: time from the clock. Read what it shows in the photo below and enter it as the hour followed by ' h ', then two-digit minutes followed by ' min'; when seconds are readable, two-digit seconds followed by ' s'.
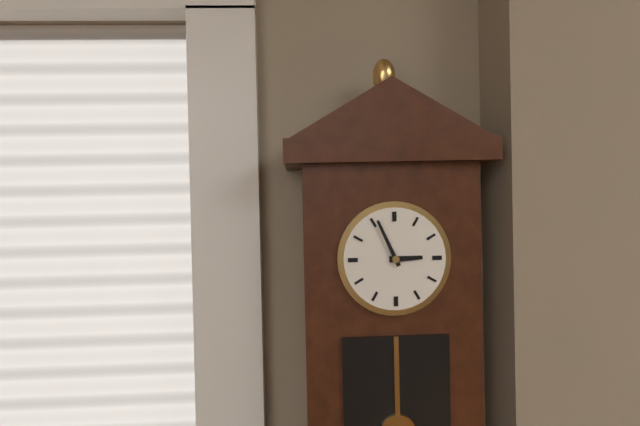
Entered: 2 h 56 min
